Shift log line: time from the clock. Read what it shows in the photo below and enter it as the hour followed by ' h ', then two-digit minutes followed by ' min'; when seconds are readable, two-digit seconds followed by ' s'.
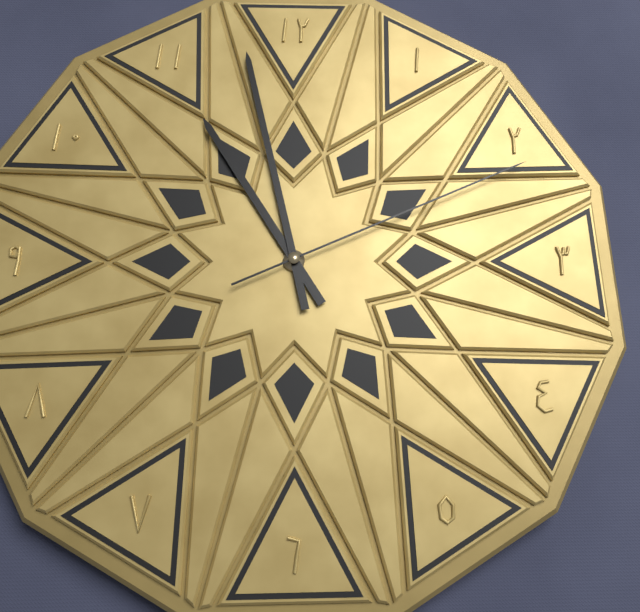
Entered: 10 h 58 min 11 s
